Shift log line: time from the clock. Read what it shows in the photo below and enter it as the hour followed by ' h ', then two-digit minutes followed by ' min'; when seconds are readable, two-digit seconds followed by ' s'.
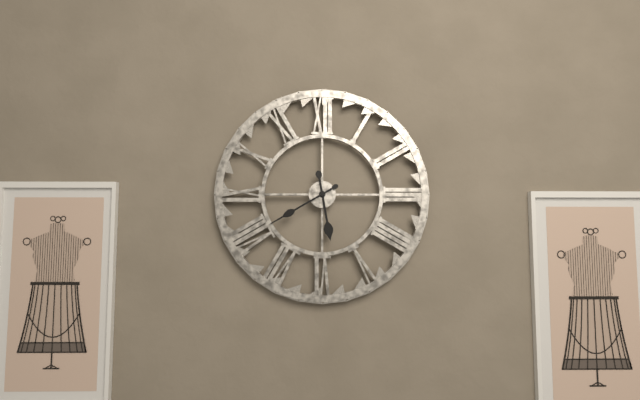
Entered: 5 h 40 min
